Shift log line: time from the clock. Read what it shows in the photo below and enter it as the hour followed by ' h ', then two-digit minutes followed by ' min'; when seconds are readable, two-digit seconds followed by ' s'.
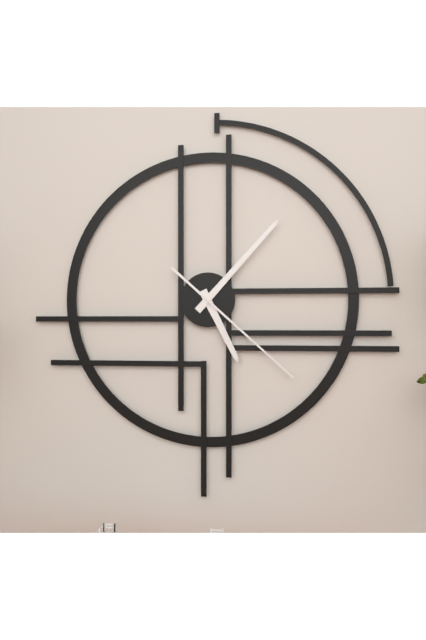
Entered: 5 h 07 min 22 s
